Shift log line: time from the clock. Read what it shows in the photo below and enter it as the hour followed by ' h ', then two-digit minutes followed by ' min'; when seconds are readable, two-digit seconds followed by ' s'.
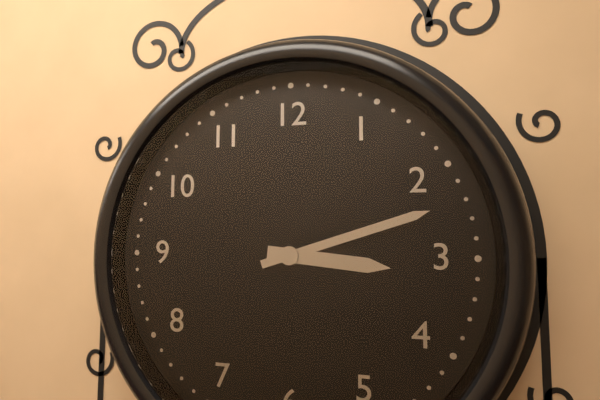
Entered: 3 h 12 min
